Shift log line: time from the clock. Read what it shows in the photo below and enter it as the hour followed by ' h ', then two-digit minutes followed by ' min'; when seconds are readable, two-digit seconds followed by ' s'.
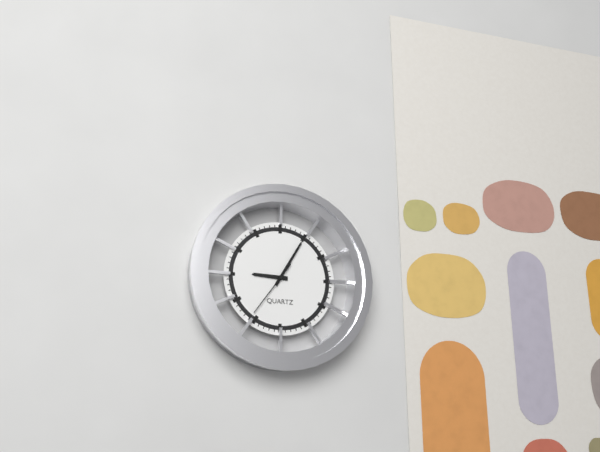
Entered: 9 h 05 min 36 s
